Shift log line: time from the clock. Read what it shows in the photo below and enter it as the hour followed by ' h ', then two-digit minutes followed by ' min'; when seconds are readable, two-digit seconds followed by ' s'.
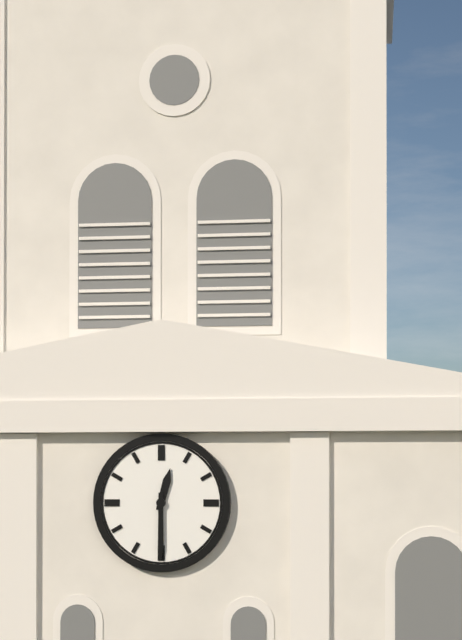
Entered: 12 h 30 min
